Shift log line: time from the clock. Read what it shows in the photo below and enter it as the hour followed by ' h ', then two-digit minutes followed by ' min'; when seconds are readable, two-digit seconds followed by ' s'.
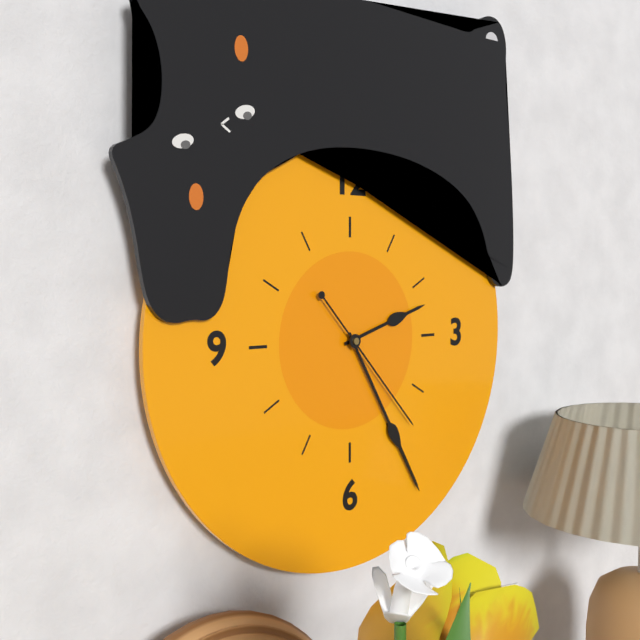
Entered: 2 h 25 min 23 s
